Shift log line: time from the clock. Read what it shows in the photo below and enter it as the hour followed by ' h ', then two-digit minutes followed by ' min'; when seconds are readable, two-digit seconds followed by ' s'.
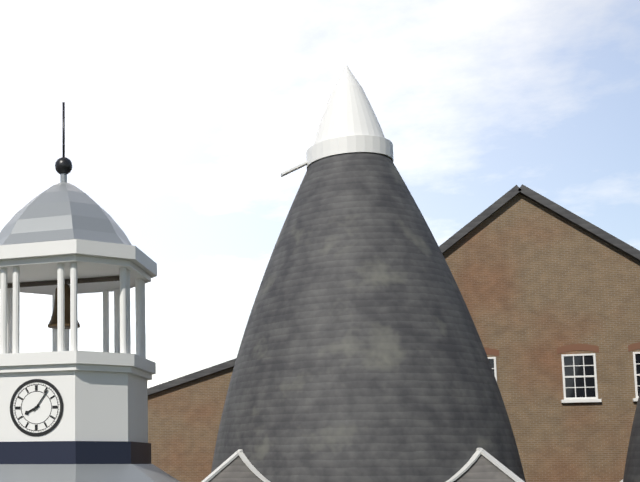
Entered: 8 h 06 min
